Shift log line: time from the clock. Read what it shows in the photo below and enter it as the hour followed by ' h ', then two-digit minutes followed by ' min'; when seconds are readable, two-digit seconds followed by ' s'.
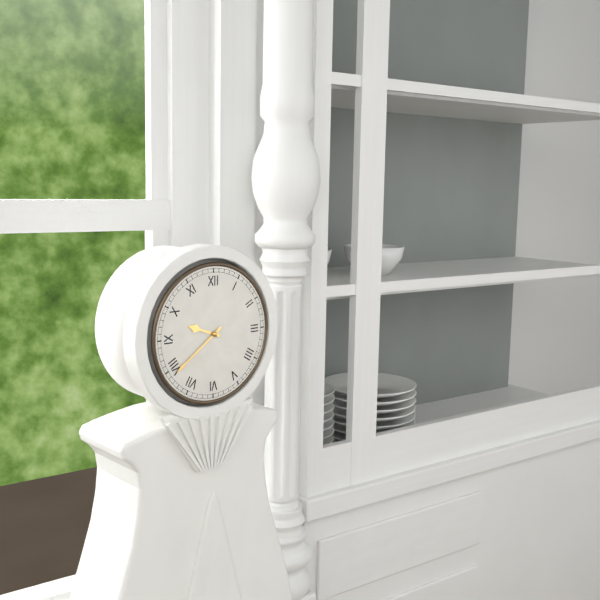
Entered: 9 h 39 min
